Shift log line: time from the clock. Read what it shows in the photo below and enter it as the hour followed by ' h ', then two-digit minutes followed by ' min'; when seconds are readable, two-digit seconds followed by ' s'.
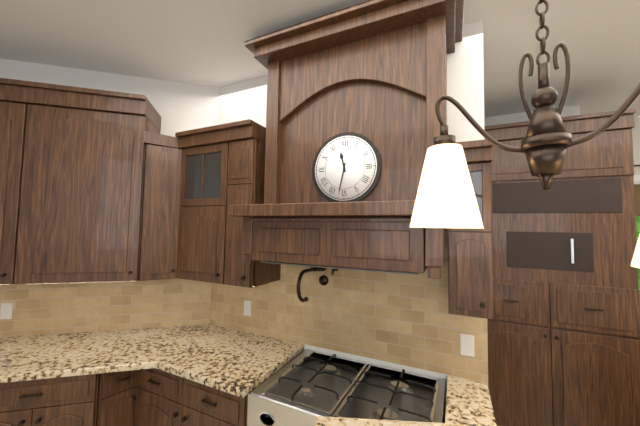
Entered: 11 h 32 min
